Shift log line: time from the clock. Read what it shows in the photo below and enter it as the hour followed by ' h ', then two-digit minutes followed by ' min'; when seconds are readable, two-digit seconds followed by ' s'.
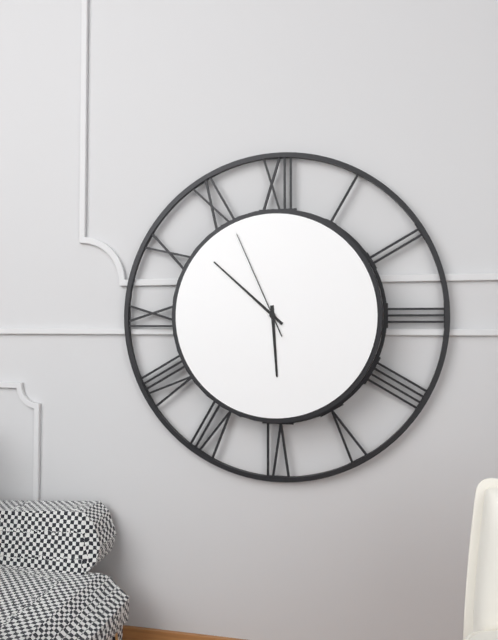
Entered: 5 h 52 min 56 s
